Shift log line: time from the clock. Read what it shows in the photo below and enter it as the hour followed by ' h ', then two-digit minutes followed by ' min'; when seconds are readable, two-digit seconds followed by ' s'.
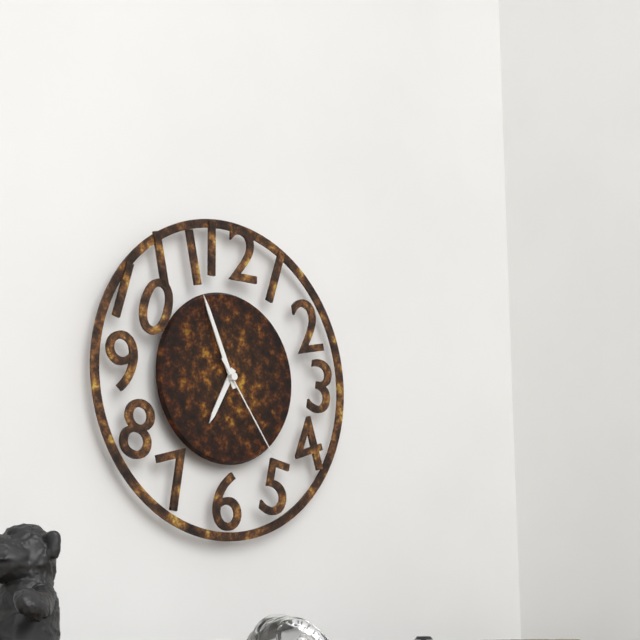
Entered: 6 h 56 min 24 s
